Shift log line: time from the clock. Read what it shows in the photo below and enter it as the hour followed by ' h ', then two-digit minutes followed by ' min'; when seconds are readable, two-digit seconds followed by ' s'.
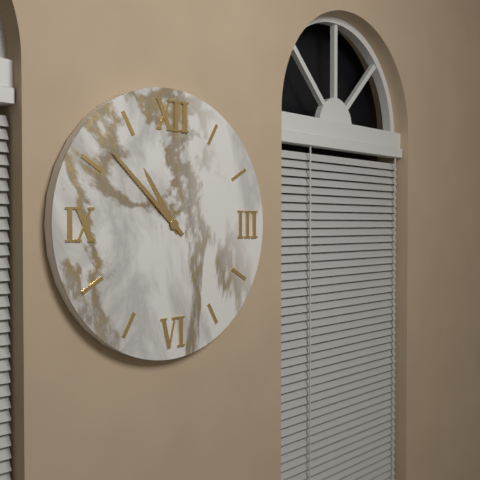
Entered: 10 h 52 min
